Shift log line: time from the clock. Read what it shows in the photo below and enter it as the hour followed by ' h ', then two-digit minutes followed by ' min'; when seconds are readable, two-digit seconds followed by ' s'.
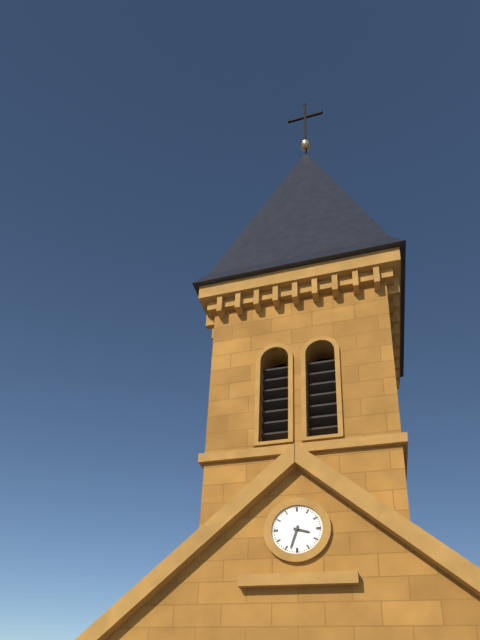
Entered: 3 h 33 min
